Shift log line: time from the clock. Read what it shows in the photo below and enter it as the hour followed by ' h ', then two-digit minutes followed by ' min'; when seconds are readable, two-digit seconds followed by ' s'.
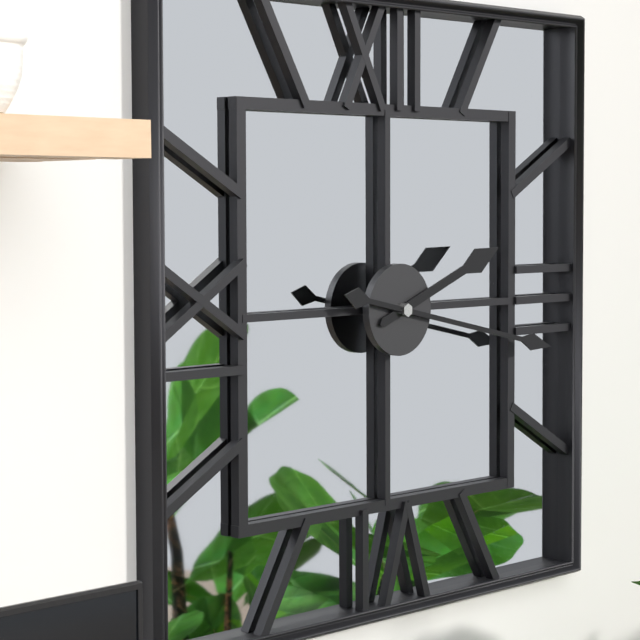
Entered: 2 h 17 min
